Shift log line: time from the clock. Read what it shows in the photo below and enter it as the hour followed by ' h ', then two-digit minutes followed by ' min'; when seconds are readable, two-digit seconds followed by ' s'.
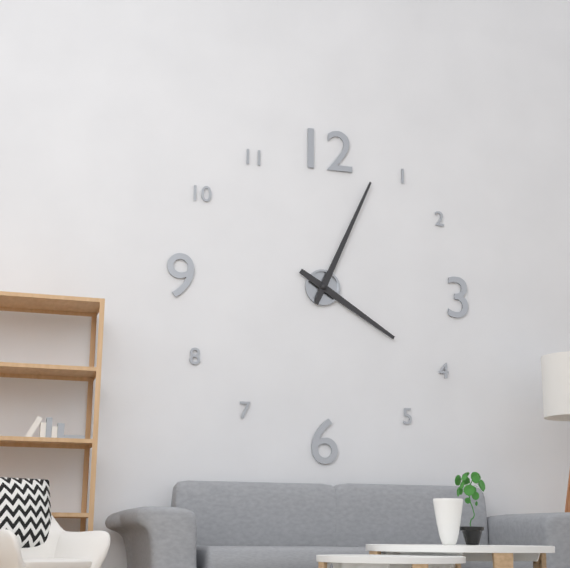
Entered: 4 h 04 min
